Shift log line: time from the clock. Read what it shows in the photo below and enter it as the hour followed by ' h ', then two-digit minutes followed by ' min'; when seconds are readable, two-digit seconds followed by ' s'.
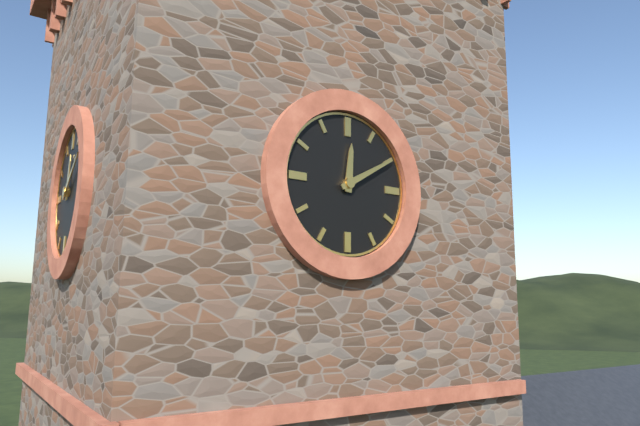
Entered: 12 h 10 min
